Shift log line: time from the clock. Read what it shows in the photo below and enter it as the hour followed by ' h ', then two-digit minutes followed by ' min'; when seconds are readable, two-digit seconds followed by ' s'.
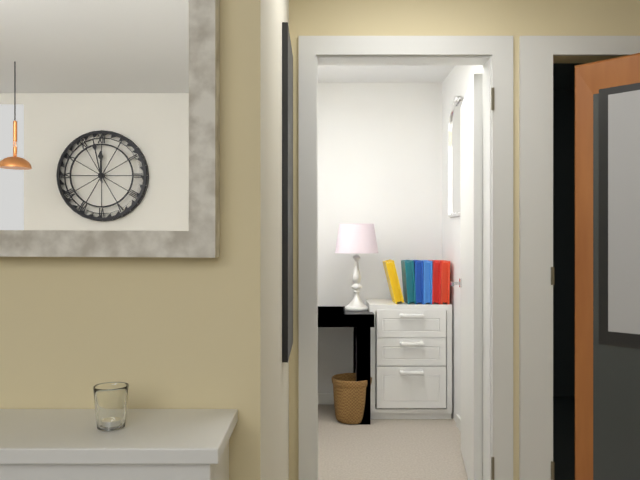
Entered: 11 h 58 min
